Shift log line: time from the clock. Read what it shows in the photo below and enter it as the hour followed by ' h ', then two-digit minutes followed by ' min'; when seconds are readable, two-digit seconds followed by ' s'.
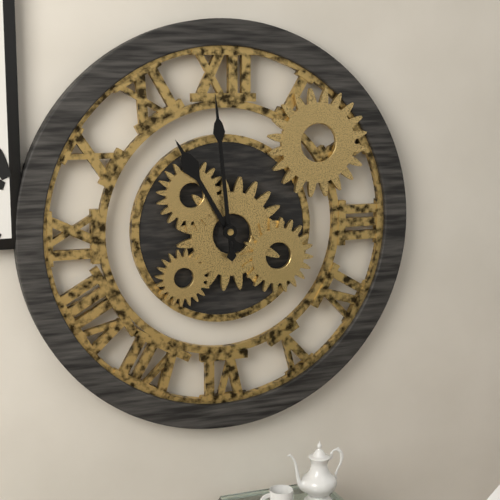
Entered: 10 h 59 min
